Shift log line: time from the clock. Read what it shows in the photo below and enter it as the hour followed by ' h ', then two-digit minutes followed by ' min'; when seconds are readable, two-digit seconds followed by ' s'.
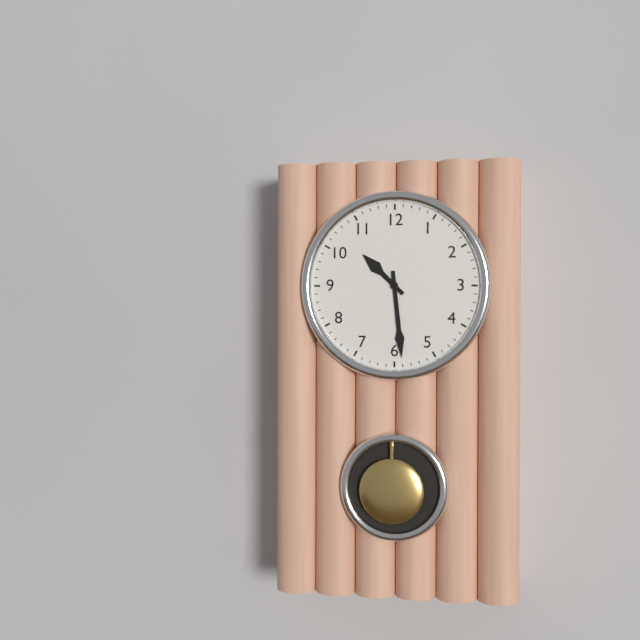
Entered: 10 h 29 min
